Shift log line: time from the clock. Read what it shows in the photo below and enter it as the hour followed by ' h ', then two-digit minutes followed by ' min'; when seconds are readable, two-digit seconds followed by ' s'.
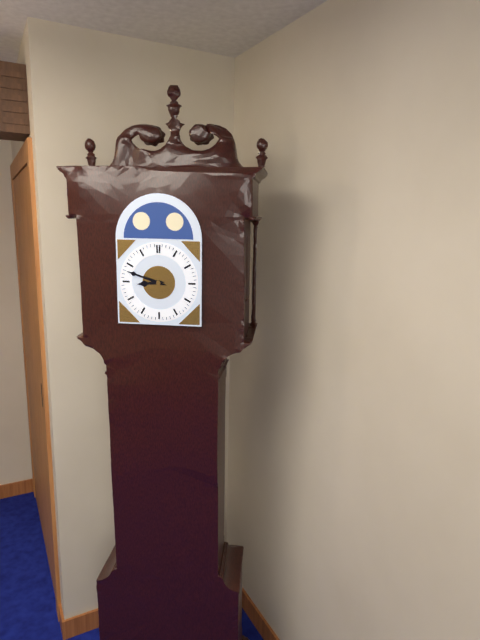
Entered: 8 h 48 min
